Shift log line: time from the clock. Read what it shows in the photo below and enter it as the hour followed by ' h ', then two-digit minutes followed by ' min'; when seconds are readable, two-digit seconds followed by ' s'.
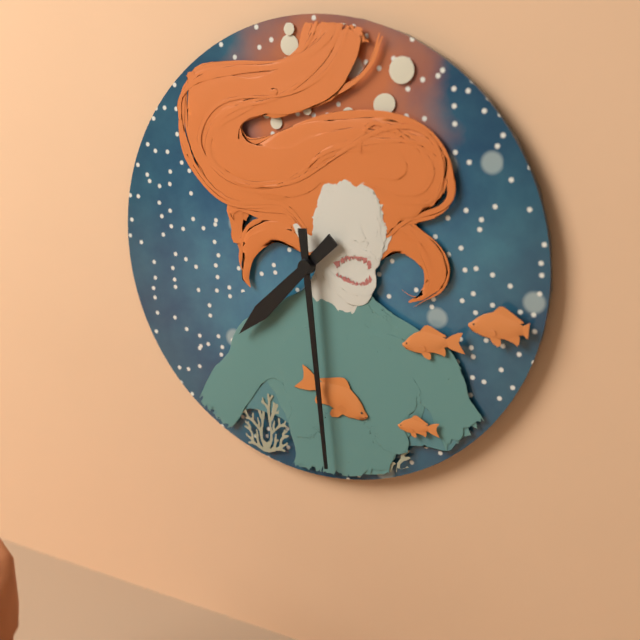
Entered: 7 h 29 min
